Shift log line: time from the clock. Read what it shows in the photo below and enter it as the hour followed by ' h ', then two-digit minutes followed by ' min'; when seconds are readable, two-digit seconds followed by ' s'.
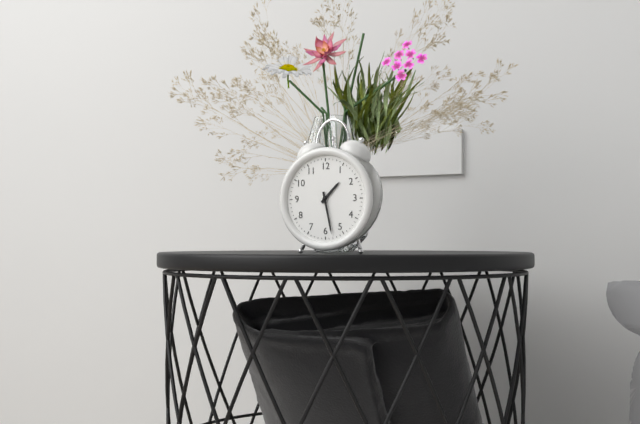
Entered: 1 h 28 min
